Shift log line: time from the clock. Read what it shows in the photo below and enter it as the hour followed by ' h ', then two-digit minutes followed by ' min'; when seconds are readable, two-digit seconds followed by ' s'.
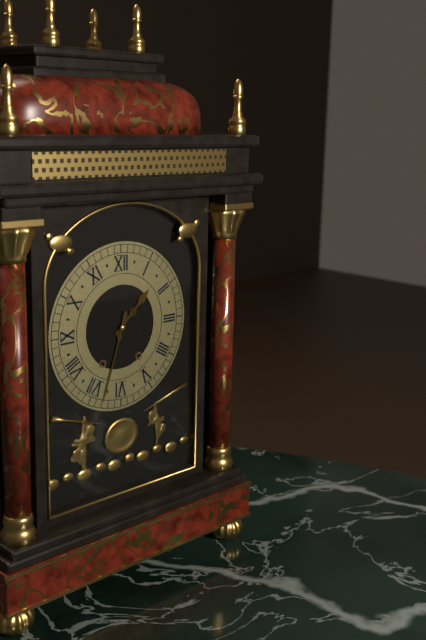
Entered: 1 h 33 min
